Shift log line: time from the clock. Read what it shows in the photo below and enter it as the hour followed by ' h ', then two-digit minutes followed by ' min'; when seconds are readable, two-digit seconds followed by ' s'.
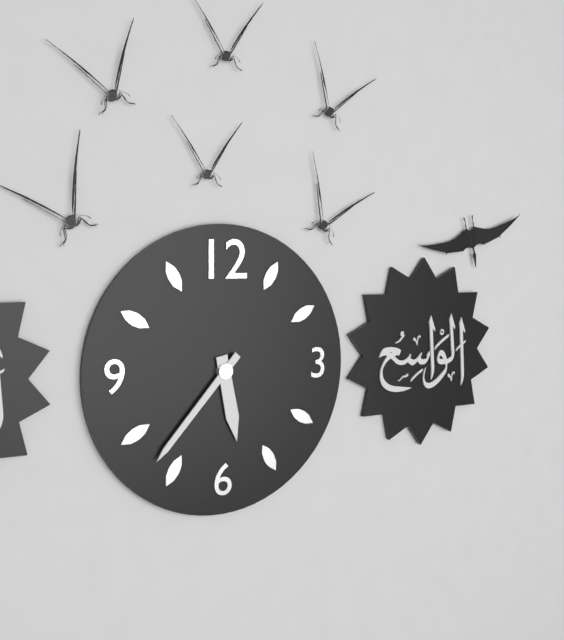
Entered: 5 h 37 min
